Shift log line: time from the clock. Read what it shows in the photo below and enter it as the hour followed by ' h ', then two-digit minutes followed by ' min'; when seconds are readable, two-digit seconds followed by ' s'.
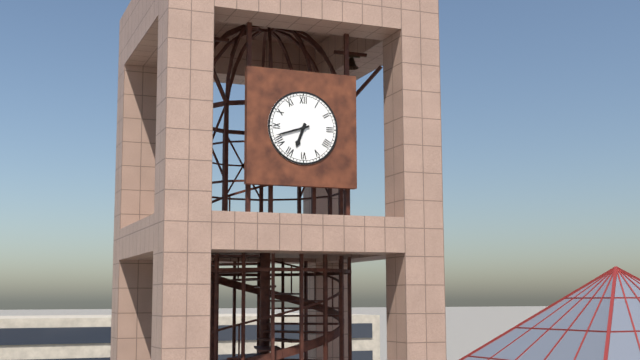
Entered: 6 h 42 min
